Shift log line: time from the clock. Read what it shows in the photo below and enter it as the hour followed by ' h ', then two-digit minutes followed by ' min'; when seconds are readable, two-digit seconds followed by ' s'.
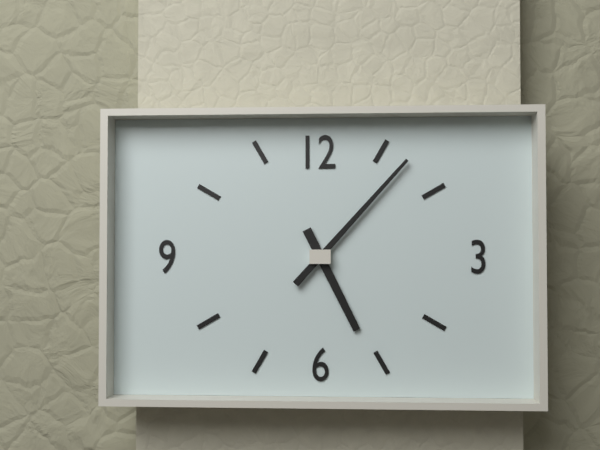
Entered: 5 h 07 min
